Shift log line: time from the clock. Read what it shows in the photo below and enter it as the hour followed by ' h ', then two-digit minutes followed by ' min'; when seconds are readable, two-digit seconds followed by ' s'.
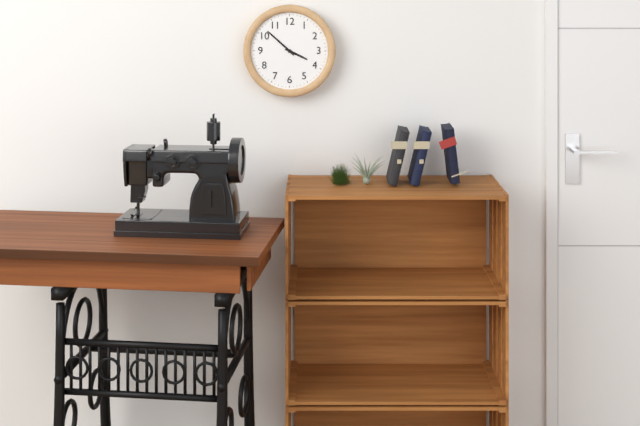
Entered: 3 h 52 min
